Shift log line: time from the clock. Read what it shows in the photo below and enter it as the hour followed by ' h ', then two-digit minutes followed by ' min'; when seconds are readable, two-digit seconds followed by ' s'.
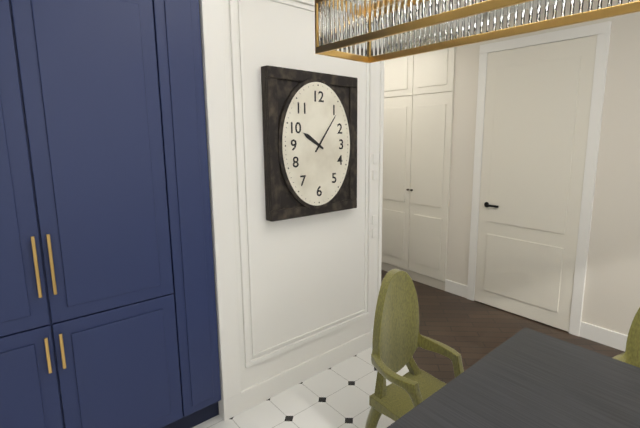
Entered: 10 h 06 min
